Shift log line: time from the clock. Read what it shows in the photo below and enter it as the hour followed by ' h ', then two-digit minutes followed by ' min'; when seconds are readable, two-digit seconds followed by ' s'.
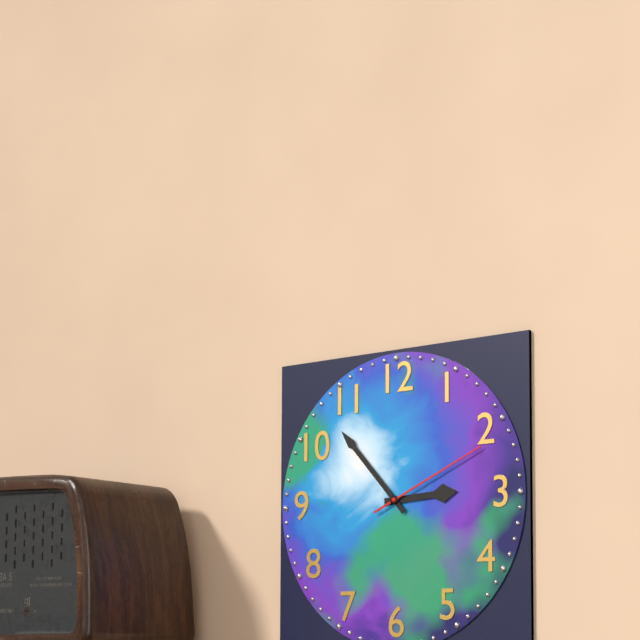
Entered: 2 h 53 min 11 s
